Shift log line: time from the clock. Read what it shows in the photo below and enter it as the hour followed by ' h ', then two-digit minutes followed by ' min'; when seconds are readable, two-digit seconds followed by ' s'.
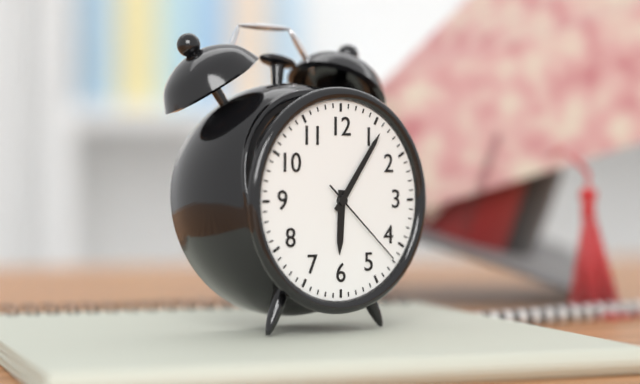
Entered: 6 h 06 min 22 s
